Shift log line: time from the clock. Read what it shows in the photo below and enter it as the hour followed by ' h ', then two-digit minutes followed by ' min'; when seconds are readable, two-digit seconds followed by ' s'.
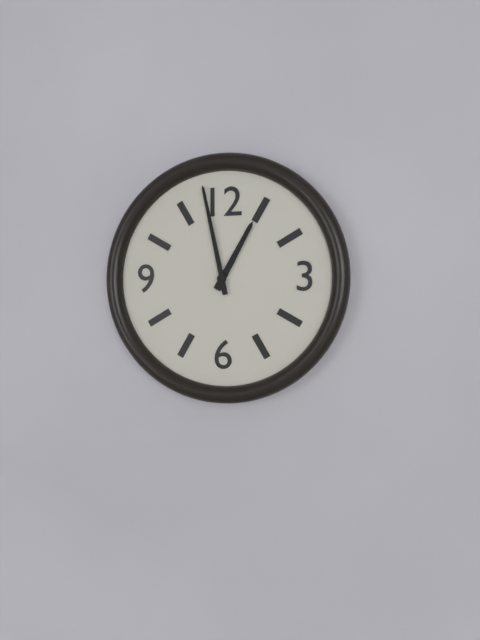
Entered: 12 h 58 min
